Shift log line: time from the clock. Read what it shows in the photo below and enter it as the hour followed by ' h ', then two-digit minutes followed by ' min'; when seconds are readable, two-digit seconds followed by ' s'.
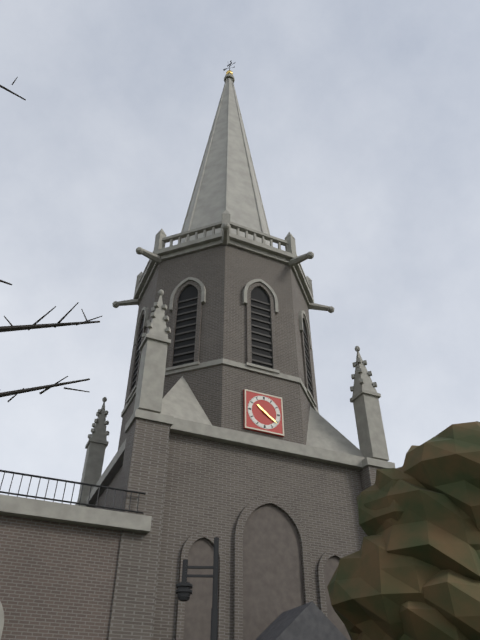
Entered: 10 h 21 min
